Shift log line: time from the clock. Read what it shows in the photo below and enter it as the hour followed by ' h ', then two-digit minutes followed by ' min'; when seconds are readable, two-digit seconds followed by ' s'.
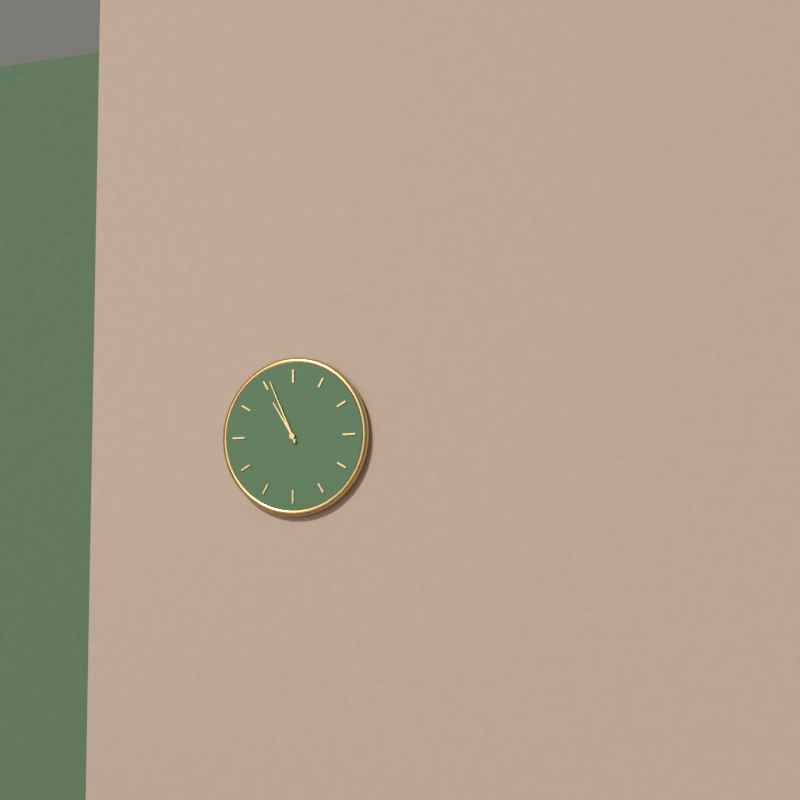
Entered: 10 h 56 min
